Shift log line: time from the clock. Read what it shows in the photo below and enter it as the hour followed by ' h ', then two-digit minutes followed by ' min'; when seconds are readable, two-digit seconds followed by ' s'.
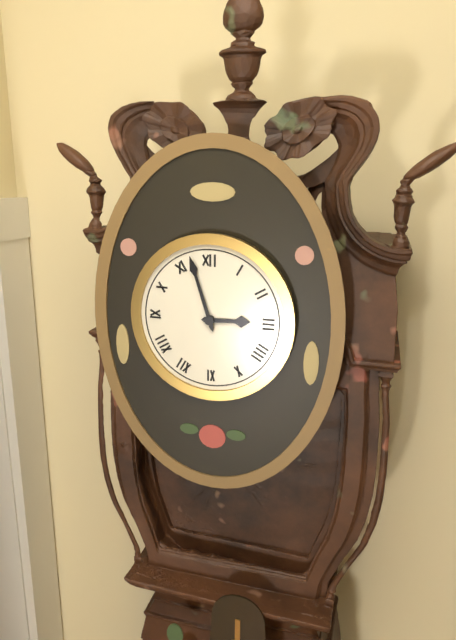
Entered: 2 h 57 min
